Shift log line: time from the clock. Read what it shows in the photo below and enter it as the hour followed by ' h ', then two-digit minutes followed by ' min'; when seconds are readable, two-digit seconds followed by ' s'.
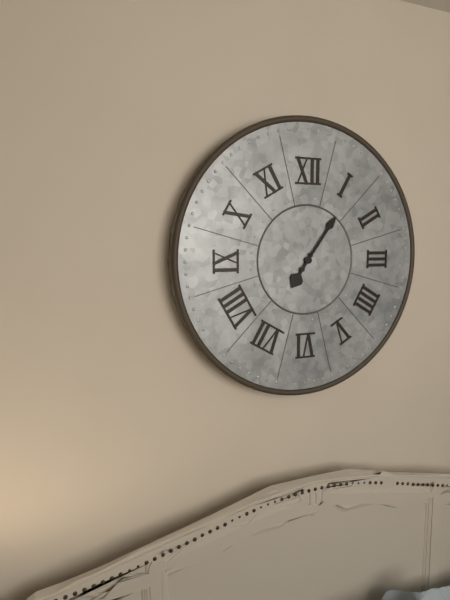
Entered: 7 h 06 min
